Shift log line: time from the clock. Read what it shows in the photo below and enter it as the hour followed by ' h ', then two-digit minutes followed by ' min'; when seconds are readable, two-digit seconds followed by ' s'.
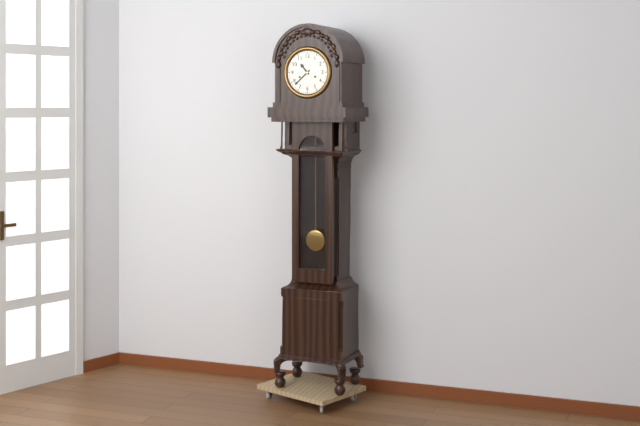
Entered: 10 h 38 min
